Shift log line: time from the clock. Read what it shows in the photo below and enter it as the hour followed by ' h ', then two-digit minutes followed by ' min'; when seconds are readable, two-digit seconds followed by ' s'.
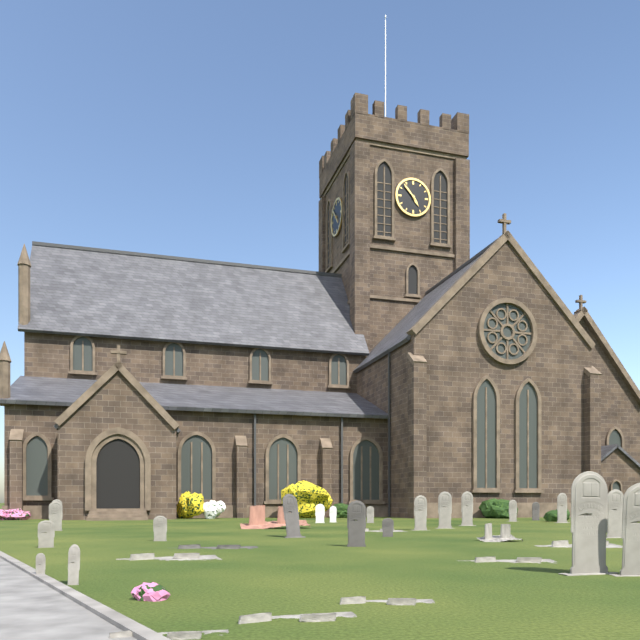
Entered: 4 h 53 min
